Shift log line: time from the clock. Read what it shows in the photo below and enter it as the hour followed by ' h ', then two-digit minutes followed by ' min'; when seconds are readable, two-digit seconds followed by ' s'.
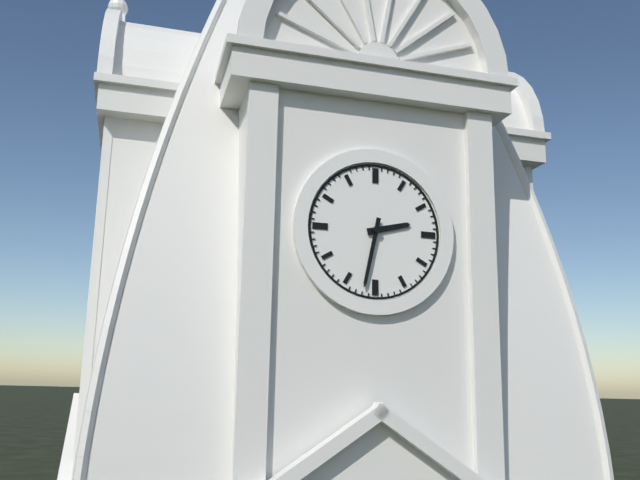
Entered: 2 h 32 min
